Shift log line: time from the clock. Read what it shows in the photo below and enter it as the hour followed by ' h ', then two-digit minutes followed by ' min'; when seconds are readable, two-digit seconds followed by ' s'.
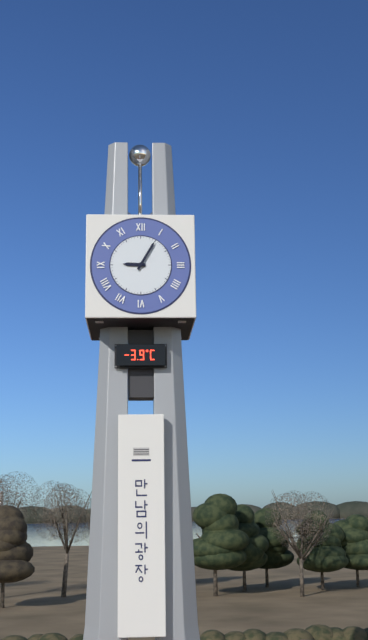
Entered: 9 h 05 min
